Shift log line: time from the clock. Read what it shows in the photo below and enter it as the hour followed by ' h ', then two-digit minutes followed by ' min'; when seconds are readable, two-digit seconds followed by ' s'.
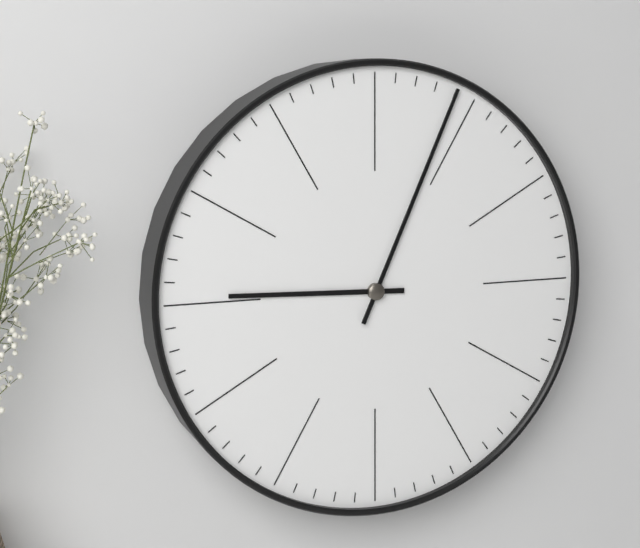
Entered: 9 h 04 min
